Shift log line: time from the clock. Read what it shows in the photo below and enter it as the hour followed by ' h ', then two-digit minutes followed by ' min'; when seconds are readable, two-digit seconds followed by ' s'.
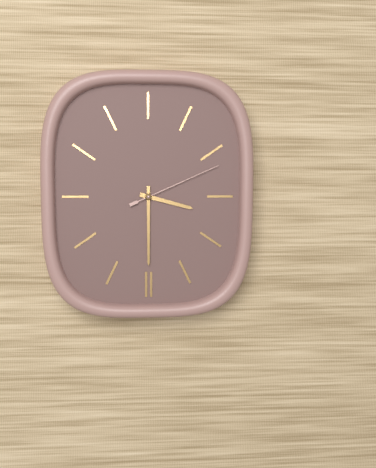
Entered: 3 h 30 min 11 s
